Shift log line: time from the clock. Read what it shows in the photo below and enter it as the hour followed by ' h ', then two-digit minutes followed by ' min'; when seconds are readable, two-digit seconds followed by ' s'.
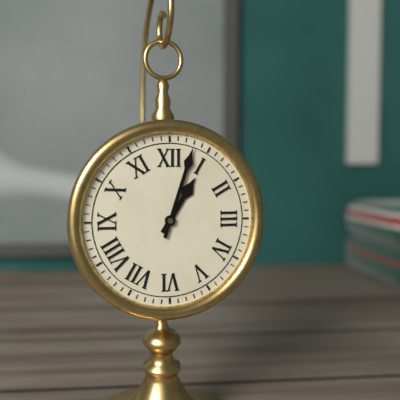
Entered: 1 h 03 min
